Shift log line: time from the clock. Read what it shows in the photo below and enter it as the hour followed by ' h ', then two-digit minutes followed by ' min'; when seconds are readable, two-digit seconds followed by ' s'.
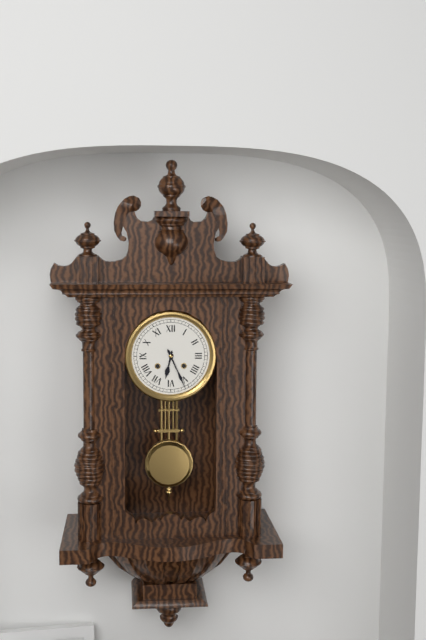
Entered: 6 h 26 min
